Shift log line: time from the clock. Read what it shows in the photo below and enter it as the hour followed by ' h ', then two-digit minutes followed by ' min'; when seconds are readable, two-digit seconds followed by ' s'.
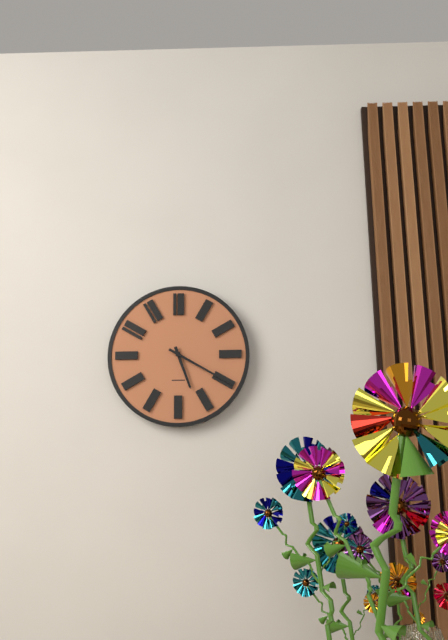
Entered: 5 h 20 min
